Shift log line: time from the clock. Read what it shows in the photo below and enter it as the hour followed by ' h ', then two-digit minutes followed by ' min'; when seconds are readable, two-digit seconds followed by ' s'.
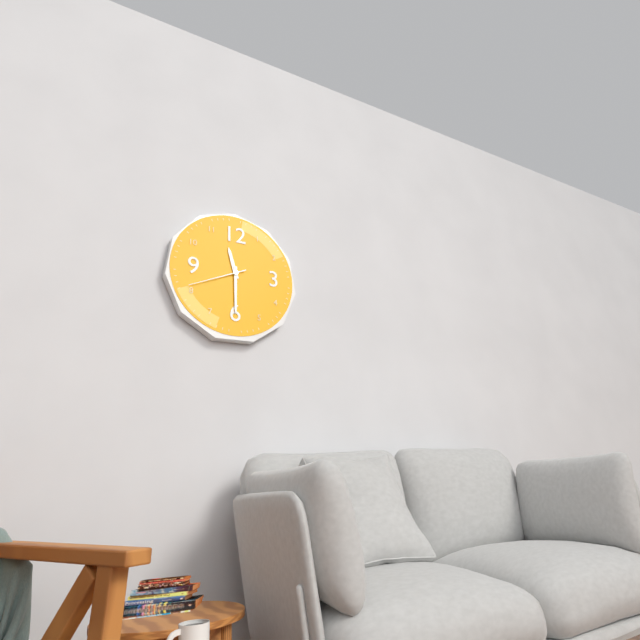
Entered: 11 h 30 min 41 s
